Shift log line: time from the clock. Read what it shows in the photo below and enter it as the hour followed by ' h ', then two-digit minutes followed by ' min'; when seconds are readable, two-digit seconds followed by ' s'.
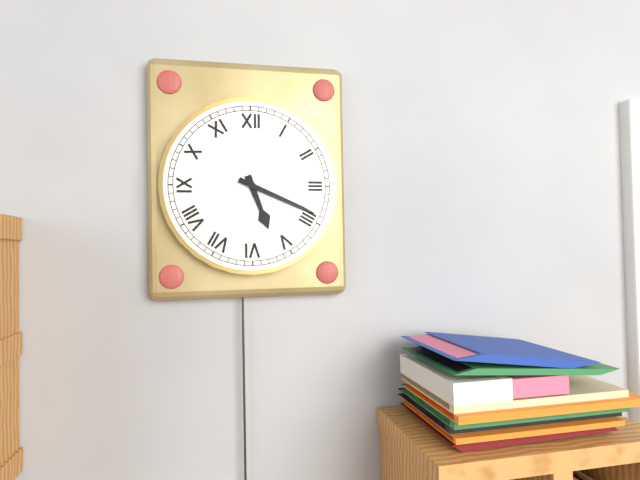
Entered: 5 h 19 min
